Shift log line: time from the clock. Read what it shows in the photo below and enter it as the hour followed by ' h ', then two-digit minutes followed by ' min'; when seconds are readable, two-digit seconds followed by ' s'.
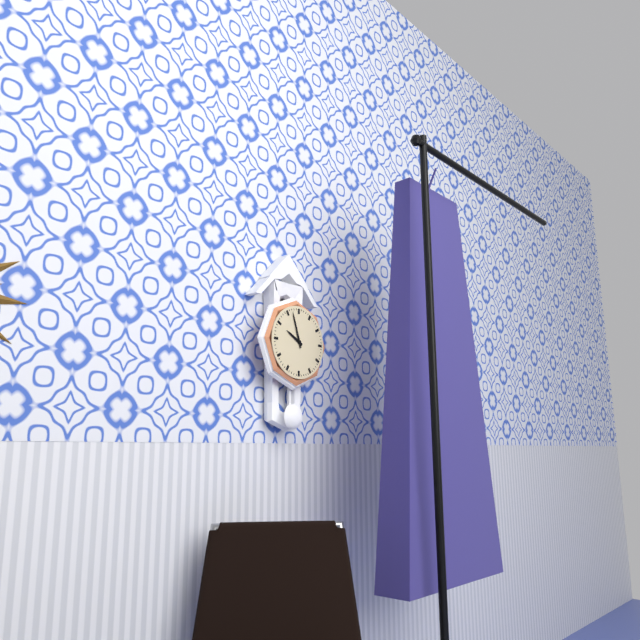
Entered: 9 h 57 min
